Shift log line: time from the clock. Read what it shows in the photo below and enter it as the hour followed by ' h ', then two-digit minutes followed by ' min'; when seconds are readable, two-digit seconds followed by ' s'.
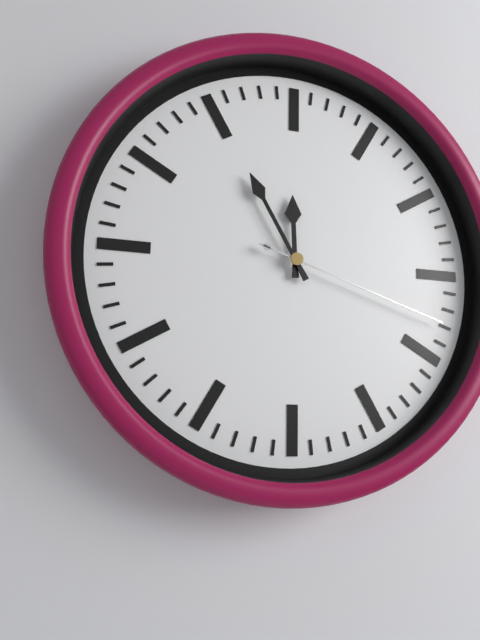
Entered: 11 h 55 min 18 s
